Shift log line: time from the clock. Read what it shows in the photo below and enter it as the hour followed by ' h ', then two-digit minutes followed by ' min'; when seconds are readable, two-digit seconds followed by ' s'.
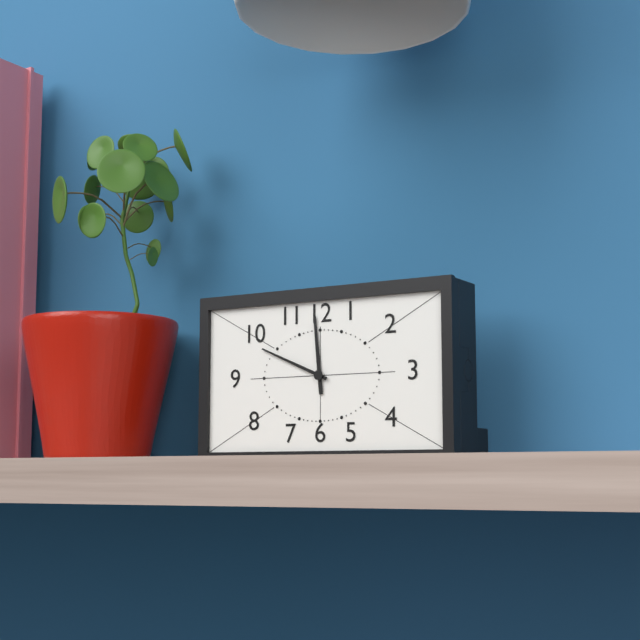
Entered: 11 h 49 min
